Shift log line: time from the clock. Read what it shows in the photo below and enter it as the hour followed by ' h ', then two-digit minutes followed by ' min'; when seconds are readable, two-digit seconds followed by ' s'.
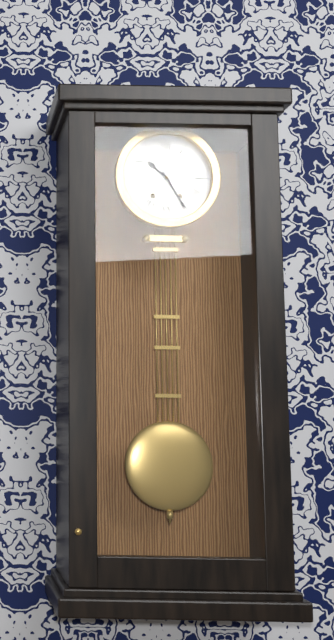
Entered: 10 h 25 min
